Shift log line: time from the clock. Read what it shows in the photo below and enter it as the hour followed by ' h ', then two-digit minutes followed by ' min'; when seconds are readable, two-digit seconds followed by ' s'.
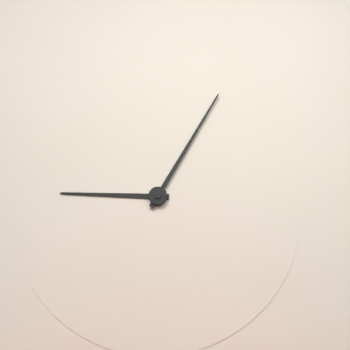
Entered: 9 h 05 min
